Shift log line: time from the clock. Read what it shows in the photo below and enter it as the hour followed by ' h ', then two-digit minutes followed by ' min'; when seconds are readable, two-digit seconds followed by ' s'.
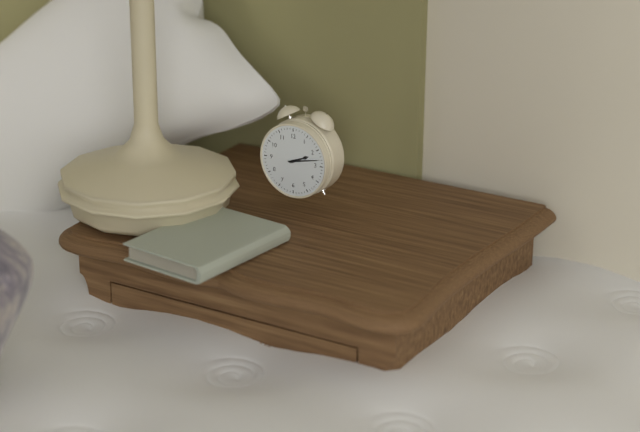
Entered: 2 h 13 min
